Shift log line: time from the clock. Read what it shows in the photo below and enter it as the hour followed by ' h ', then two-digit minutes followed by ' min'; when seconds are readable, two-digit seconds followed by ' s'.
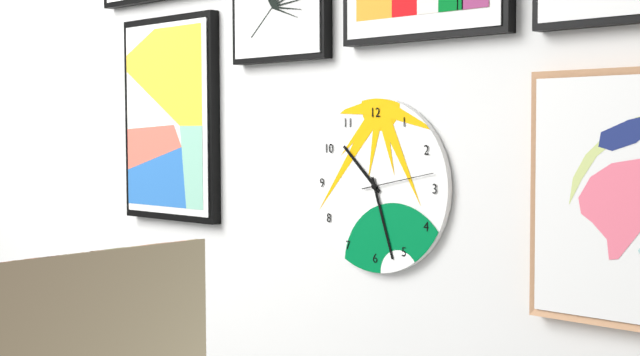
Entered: 10 h 27 min 13 s
